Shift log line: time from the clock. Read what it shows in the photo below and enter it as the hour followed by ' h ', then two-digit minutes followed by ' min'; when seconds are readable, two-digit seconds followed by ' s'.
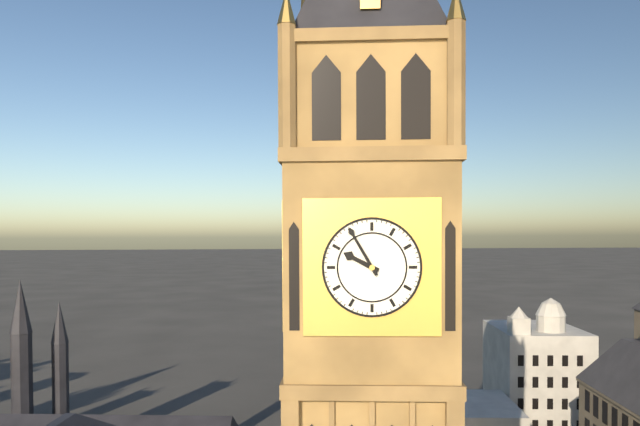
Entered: 9 h 55 min
